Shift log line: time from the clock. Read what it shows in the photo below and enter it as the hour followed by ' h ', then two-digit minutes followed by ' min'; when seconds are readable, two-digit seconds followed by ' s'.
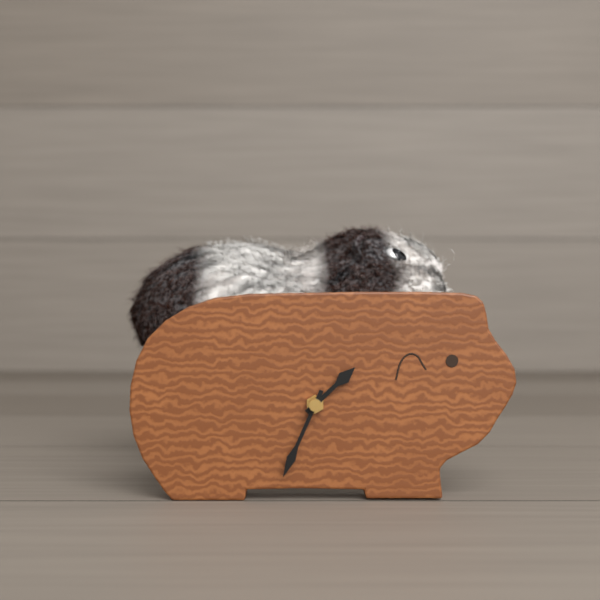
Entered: 1 h 34 min
